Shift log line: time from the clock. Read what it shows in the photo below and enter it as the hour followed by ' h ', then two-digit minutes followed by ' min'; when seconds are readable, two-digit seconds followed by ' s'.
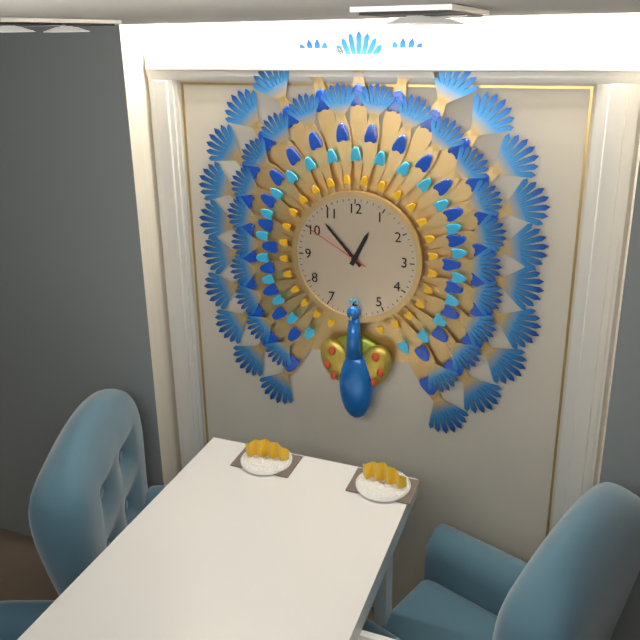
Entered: 12 h 53 min 50 s
